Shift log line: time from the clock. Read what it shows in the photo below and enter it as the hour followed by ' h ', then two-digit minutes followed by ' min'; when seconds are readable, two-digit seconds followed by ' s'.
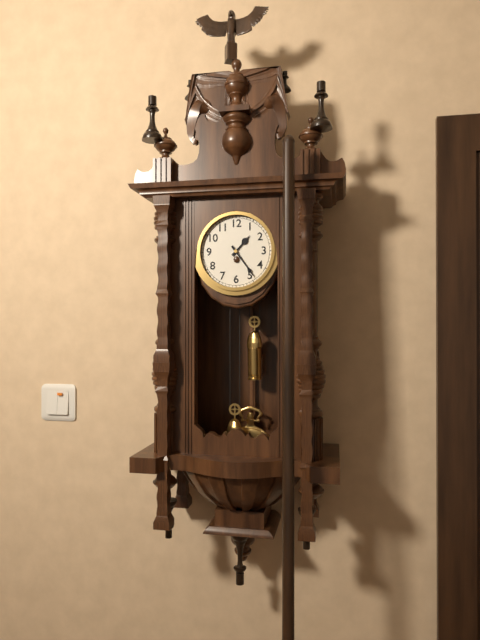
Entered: 1 h 24 min
